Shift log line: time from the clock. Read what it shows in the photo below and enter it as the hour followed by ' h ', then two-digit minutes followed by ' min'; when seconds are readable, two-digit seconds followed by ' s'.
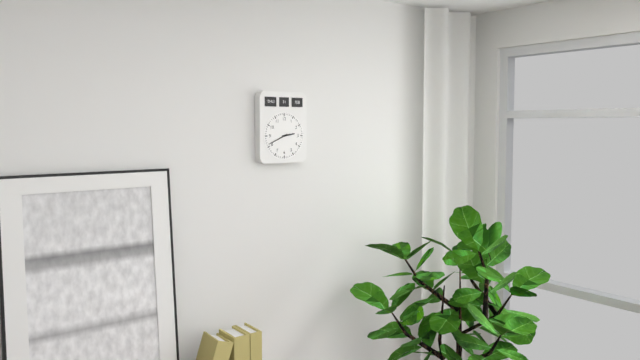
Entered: 2 h 41 min
